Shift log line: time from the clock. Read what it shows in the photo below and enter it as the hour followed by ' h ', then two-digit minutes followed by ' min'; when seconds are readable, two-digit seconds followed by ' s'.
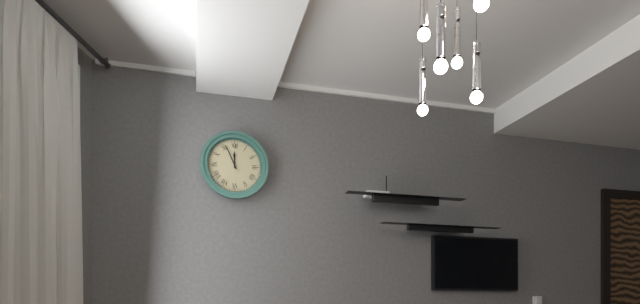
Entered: 11 h 56 min
